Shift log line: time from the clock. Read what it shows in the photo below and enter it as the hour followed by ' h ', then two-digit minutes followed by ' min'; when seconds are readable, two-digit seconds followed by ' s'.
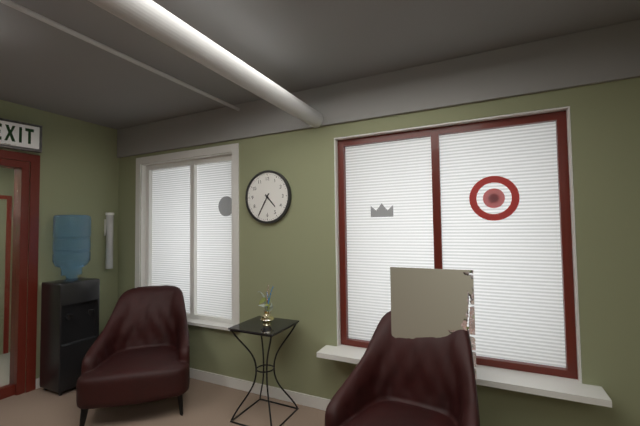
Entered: 4 h 35 min
